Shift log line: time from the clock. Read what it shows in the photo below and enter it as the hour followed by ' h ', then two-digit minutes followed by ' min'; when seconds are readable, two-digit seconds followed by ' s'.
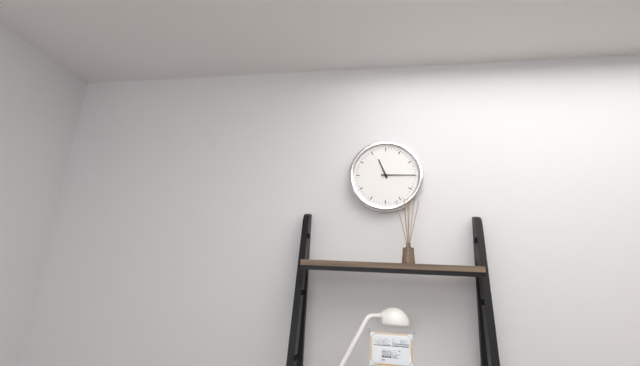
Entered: 11 h 15 min
